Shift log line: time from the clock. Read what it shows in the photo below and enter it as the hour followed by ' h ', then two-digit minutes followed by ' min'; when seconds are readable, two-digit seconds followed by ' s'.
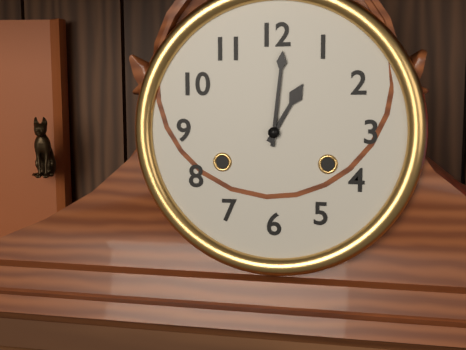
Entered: 1 h 01 min
